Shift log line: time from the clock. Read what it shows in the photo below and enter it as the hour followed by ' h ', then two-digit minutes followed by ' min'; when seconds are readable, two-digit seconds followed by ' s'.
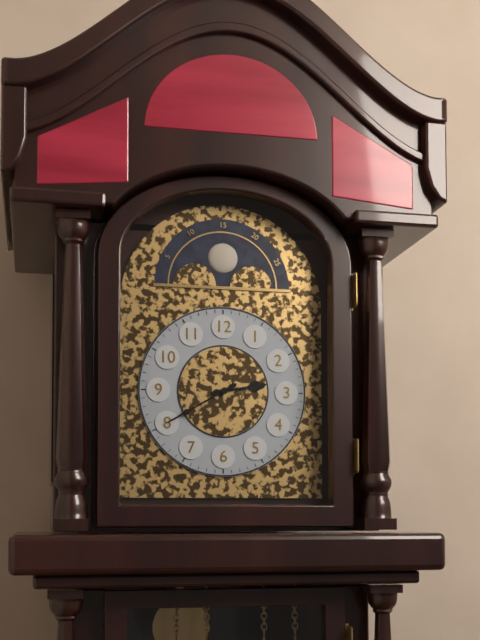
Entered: 2 h 40 min
